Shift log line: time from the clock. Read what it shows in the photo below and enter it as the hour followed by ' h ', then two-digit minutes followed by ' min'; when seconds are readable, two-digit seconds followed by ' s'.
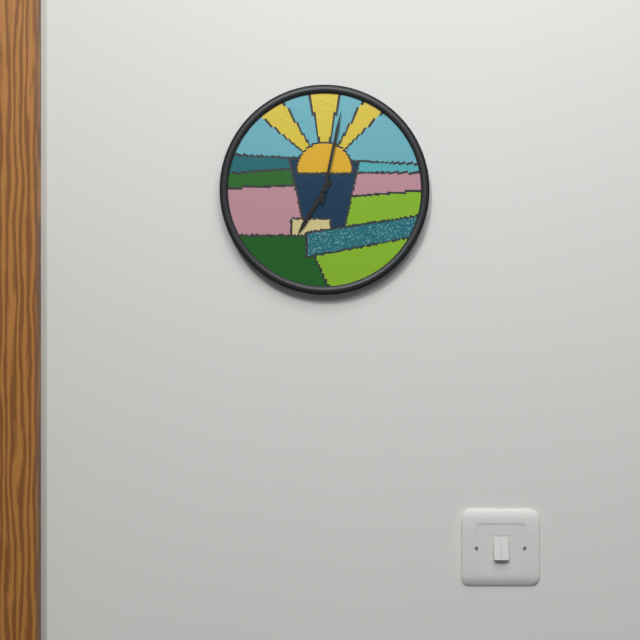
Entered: 7 h 02 min
